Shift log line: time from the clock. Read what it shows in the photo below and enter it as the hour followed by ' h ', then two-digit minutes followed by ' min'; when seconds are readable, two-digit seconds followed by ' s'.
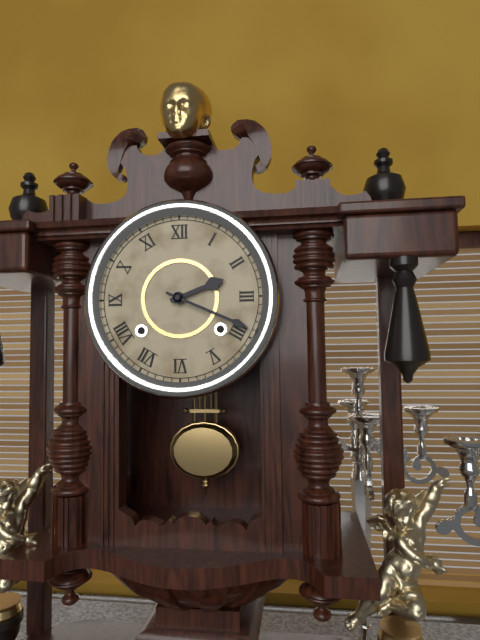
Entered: 2 h 19 min
